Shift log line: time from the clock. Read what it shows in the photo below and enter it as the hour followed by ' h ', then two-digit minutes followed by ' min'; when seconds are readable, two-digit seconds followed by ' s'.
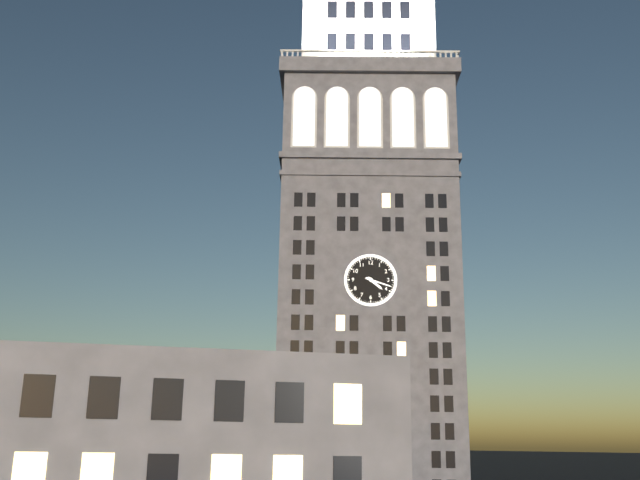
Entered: 4 h 18 min
